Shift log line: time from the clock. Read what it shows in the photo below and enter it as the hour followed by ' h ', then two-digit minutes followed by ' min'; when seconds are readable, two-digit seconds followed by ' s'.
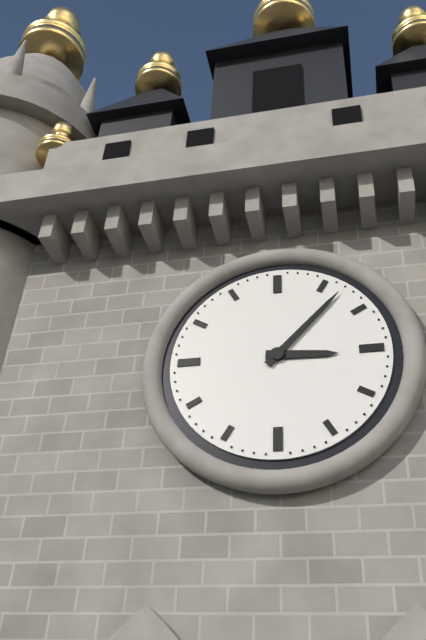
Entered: 3 h 07 min
